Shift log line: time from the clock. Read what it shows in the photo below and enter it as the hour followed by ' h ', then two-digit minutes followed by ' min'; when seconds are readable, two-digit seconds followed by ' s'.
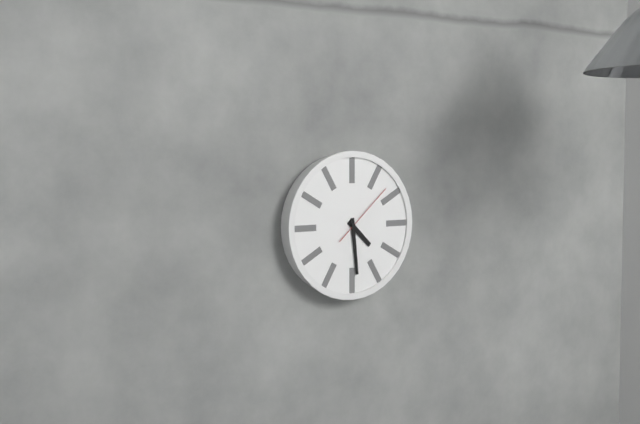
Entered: 4 h 29 min 08 s
